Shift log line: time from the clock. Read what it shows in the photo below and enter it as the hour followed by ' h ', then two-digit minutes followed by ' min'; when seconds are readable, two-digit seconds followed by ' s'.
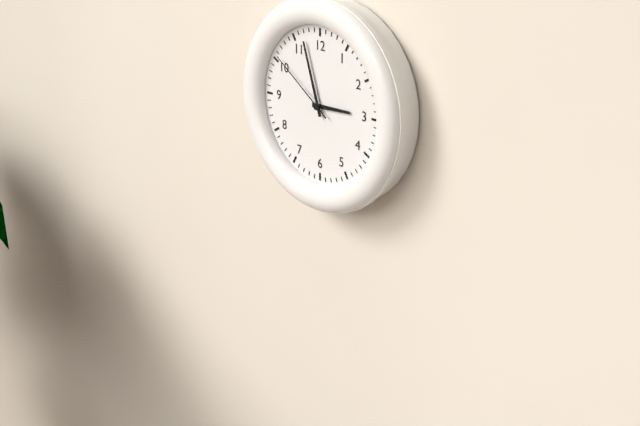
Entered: 2 h 57 min 51 s
